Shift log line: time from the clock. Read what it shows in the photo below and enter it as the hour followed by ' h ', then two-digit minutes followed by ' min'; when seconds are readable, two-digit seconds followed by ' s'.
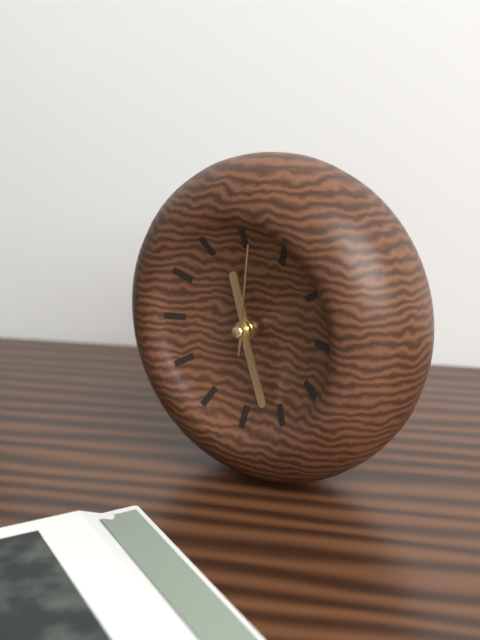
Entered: 11 h 27 min 01 s
